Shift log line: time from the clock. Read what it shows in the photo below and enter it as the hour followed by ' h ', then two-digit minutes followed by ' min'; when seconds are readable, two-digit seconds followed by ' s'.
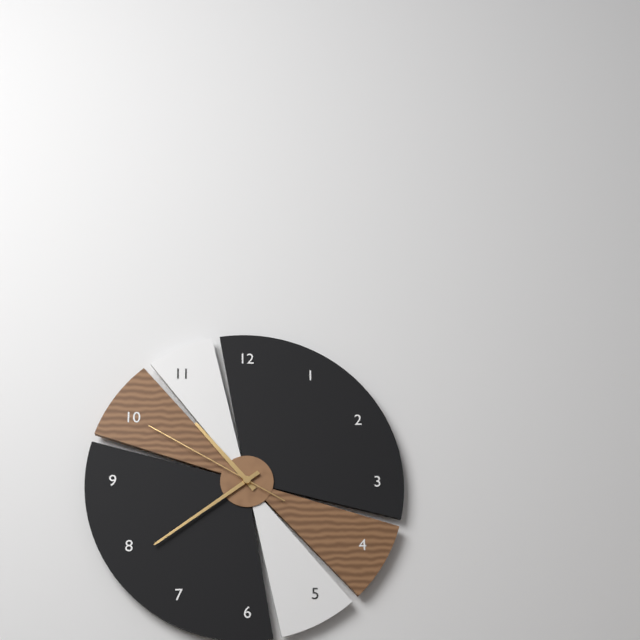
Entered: 10 h 39 min 50 s
